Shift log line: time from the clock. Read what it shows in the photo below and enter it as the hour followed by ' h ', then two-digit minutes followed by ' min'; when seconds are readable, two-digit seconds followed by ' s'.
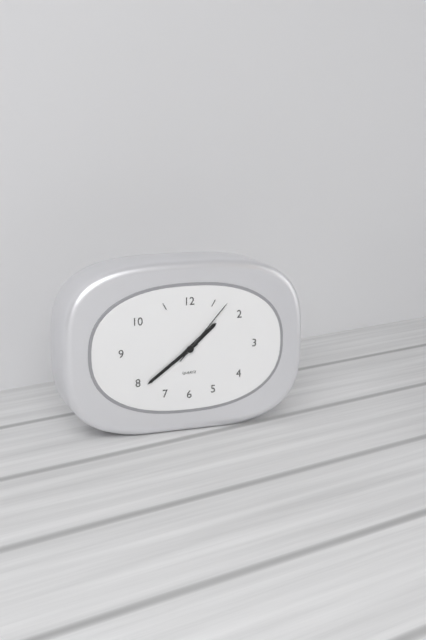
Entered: 1 h 39 min 07 s
